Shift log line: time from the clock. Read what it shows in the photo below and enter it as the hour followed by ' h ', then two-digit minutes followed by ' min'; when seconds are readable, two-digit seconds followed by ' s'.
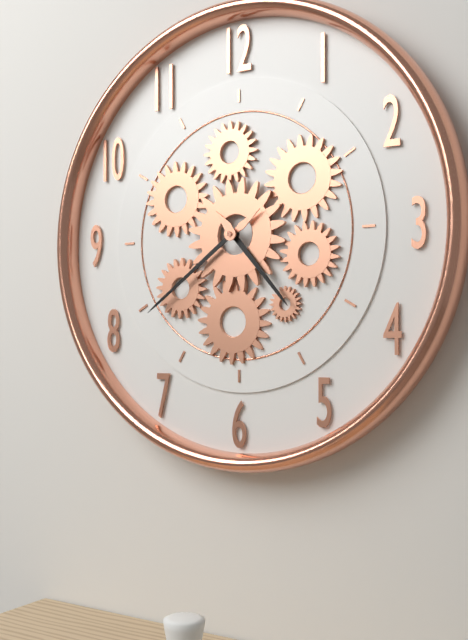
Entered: 4 h 39 min
